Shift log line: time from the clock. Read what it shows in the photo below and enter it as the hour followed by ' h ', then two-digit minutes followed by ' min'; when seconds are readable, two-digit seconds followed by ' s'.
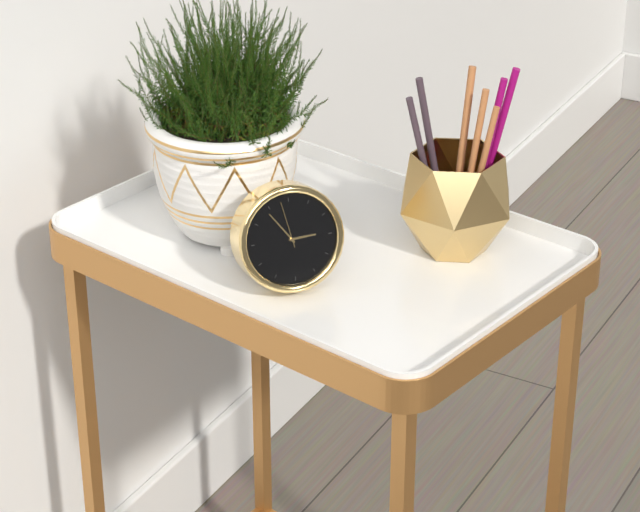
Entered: 2 h 54 min
